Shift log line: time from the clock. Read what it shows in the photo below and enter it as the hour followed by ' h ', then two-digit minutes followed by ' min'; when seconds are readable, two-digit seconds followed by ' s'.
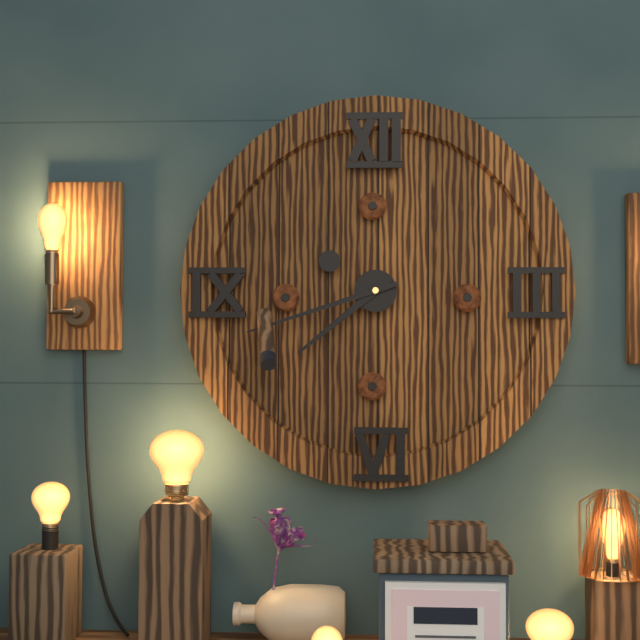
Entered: 7 h 42 min
